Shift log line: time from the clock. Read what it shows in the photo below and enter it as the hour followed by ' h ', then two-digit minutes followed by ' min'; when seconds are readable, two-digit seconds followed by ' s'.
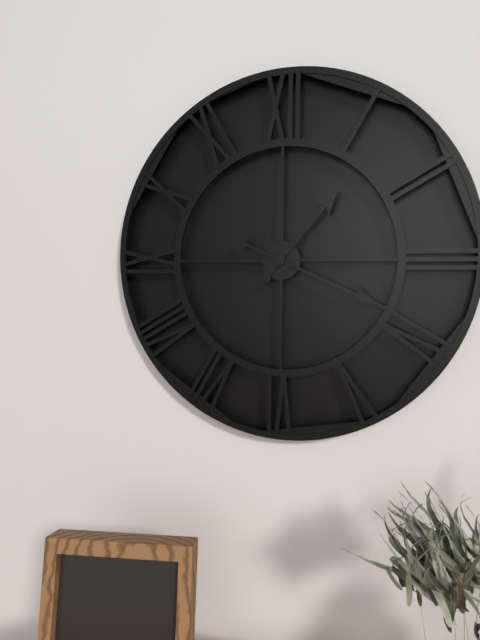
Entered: 1 h 19 min
